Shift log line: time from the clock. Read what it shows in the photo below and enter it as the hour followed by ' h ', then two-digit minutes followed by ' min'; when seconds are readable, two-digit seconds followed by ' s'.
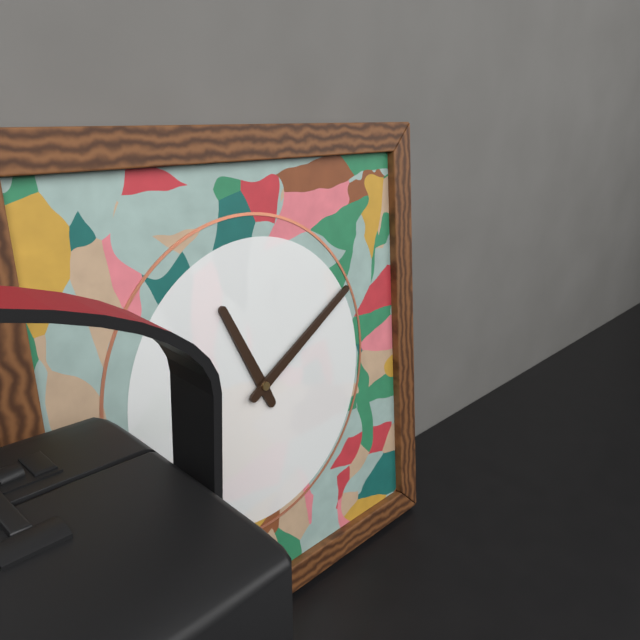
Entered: 11 h 10 min
